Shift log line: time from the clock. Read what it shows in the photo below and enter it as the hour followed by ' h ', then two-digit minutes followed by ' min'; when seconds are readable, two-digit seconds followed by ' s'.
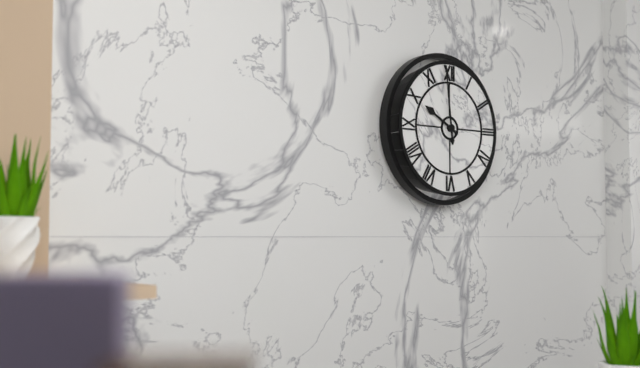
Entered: 9 h 59 min
